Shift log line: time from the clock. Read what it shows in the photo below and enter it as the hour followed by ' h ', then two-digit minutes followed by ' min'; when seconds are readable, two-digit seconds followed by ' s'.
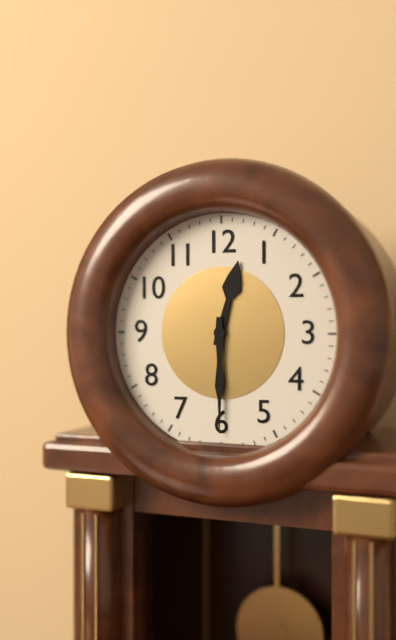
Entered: 12 h 30 min
